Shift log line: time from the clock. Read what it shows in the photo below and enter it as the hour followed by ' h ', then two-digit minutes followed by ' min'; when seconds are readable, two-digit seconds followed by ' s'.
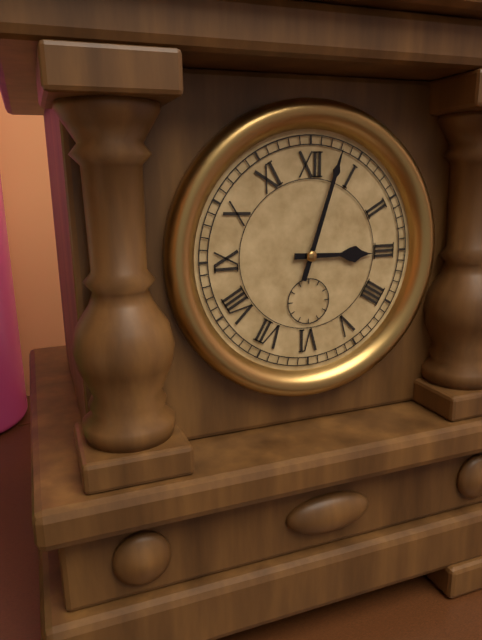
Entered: 3 h 03 min
